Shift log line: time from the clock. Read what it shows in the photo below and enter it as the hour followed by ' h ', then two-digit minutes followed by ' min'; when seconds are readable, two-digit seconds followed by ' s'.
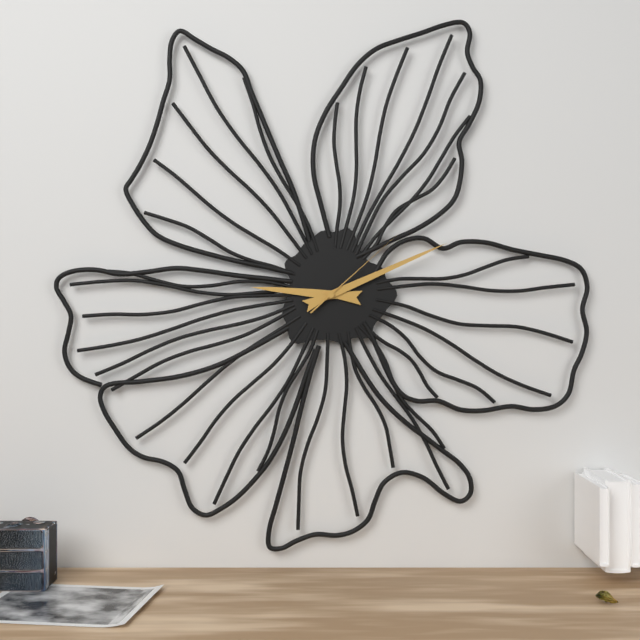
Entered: 9 h 11 min 08 s
